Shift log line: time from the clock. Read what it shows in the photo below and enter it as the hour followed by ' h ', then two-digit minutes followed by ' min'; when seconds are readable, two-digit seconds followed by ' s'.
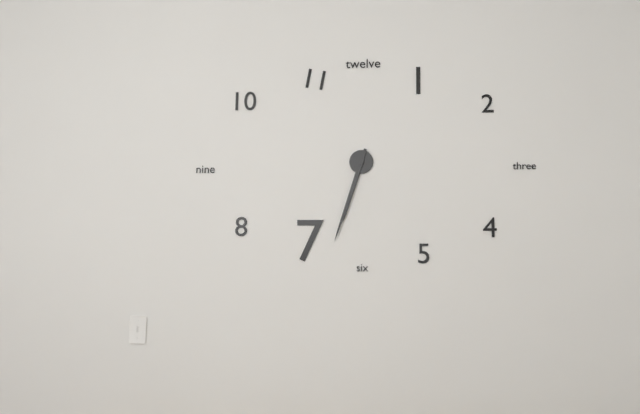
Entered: 6 h 33 min
